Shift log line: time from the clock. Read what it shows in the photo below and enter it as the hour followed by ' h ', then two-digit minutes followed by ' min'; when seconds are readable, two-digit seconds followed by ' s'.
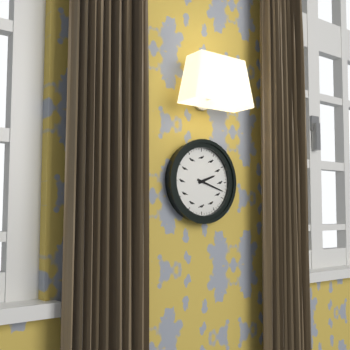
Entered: 2 h 18 min
